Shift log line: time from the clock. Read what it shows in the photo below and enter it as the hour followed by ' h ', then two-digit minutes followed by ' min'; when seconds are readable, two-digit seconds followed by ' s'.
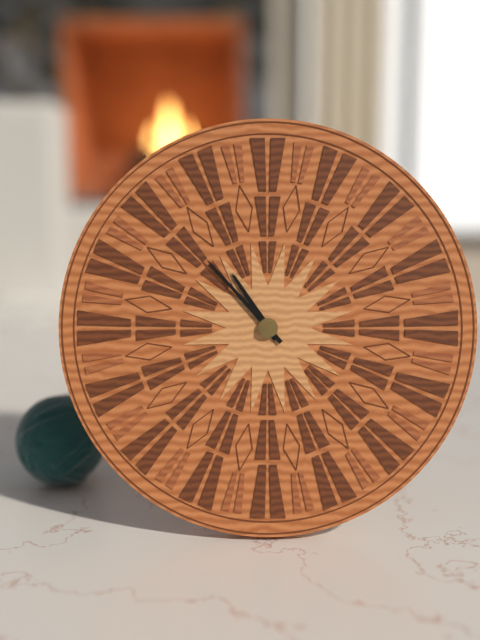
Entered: 10 h 53 min
